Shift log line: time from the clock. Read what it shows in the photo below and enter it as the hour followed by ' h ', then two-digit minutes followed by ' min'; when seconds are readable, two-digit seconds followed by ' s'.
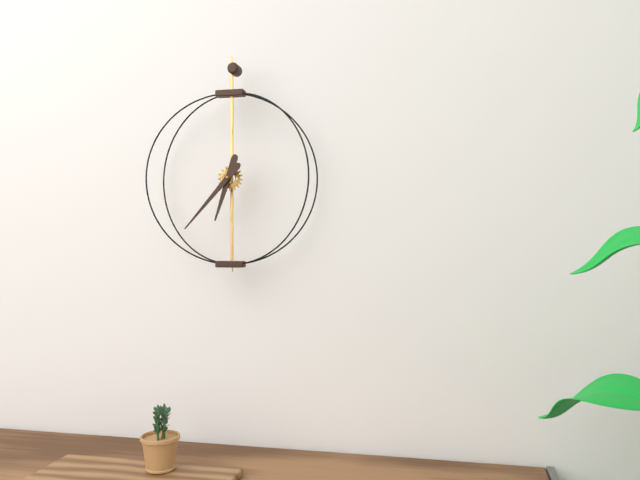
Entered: 6 h 37 min
